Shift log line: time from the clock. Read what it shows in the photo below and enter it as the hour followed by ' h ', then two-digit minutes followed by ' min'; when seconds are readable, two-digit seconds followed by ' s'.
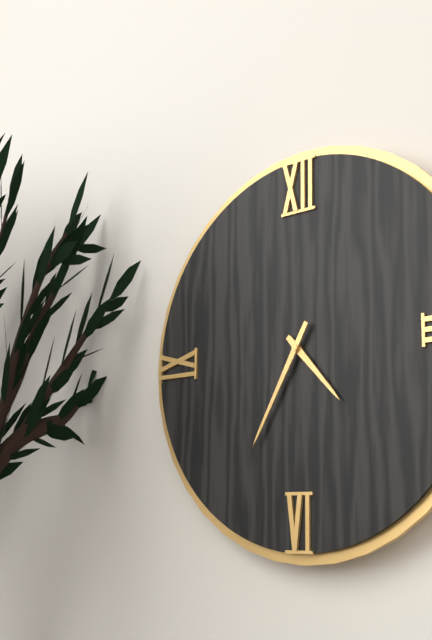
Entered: 4 h 35 min
